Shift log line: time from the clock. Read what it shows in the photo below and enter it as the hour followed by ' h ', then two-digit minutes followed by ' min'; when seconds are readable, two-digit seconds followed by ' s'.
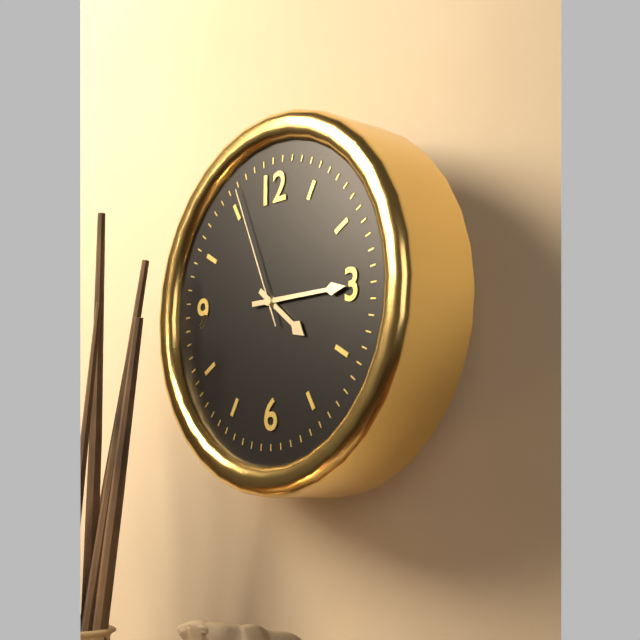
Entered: 4 h 15 min 56 s
